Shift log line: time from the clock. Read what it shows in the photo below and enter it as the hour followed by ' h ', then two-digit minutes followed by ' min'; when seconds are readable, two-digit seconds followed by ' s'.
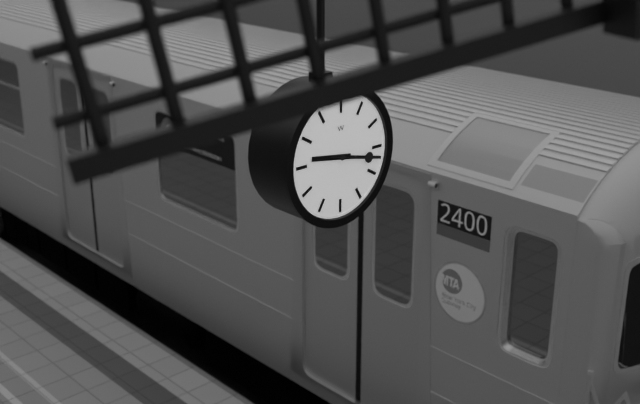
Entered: 9 h 17 min 17 s
